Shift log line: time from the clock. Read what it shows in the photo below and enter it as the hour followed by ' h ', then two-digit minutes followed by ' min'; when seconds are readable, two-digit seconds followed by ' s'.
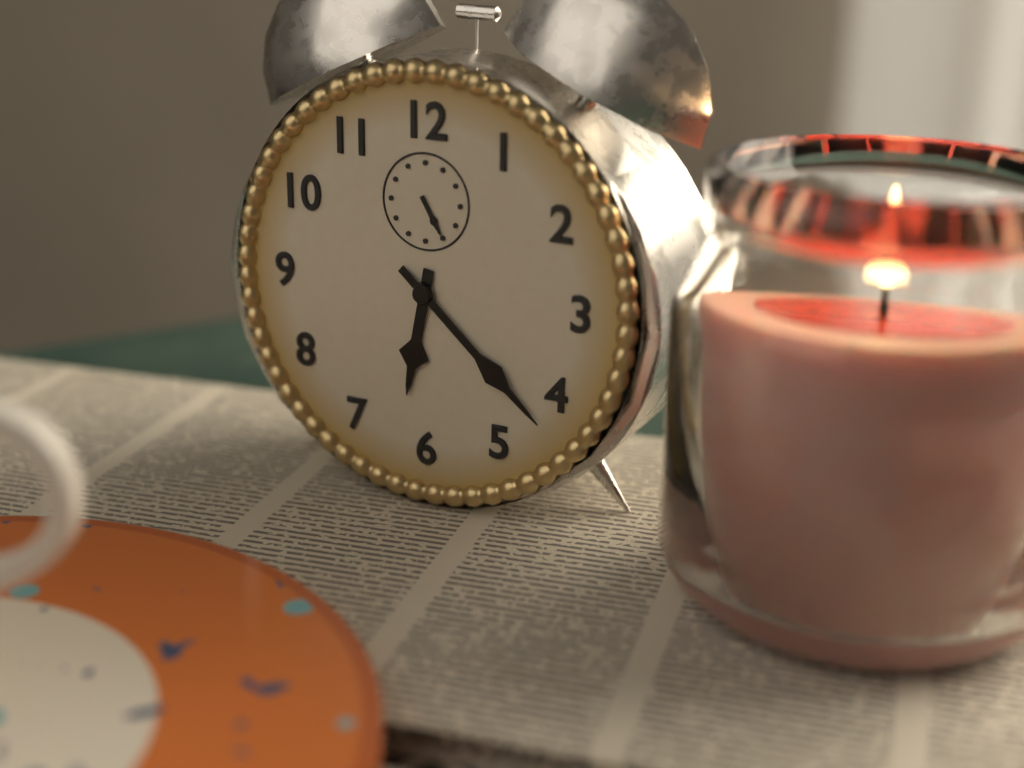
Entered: 6 h 22 min
